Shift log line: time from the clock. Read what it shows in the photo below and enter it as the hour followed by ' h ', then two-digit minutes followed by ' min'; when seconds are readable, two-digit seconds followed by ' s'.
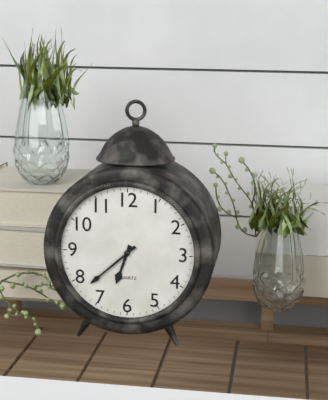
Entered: 6 h 38 min
